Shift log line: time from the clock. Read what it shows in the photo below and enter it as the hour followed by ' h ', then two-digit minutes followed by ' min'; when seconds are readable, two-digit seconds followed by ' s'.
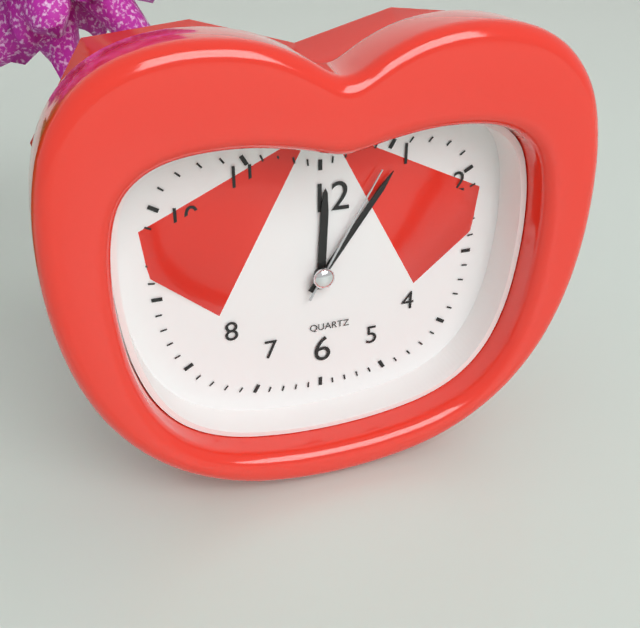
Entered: 12 h 06 min 05 s
